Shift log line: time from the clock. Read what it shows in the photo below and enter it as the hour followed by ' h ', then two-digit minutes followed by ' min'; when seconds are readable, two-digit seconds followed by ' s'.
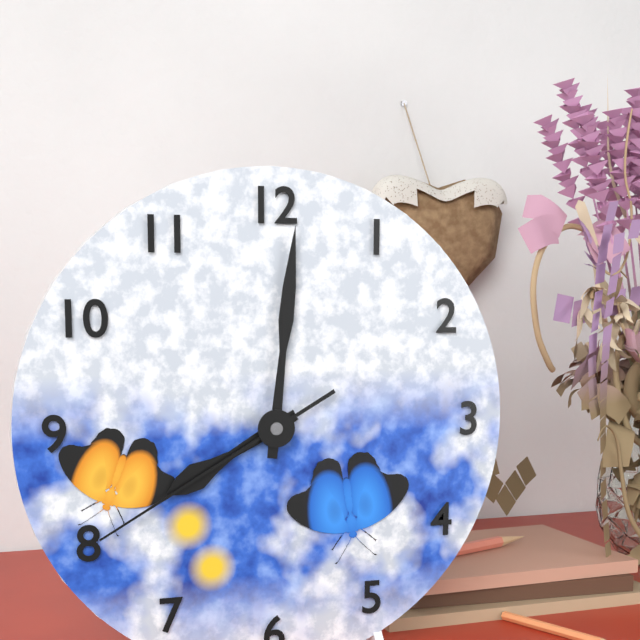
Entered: 8 h 01 min 40 s
